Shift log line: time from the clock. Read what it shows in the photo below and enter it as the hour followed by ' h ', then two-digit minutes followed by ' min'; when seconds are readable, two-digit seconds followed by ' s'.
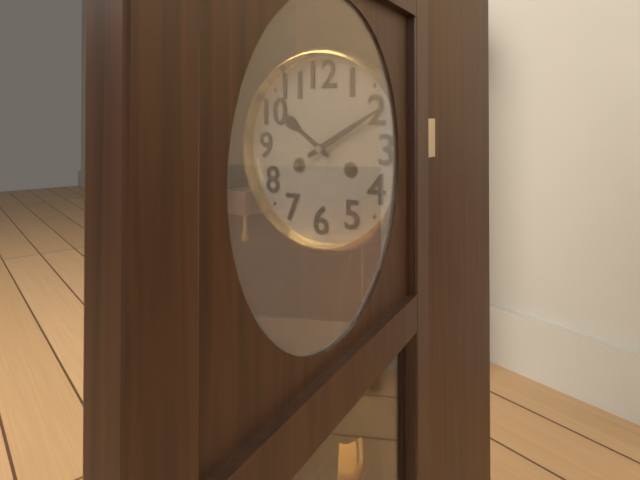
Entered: 10 h 10 min
